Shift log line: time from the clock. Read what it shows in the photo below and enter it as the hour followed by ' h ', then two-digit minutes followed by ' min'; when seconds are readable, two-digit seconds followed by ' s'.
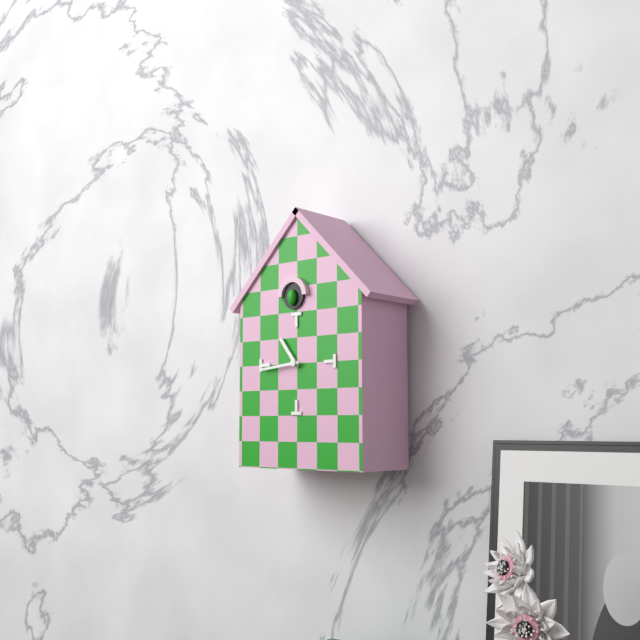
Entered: 10 h 44 min
